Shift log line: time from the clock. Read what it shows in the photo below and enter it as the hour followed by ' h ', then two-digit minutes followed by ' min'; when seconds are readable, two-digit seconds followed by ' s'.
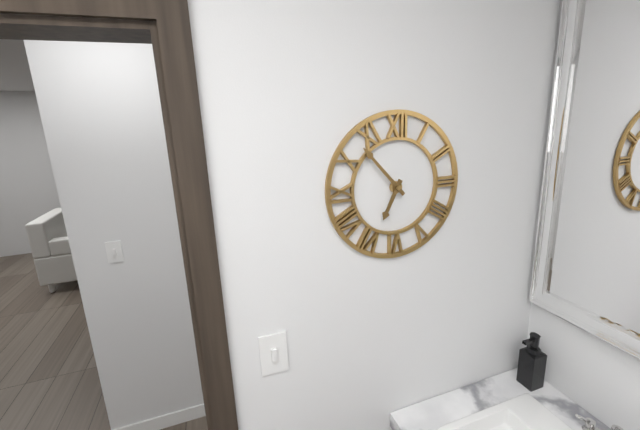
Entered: 6 h 53 min
